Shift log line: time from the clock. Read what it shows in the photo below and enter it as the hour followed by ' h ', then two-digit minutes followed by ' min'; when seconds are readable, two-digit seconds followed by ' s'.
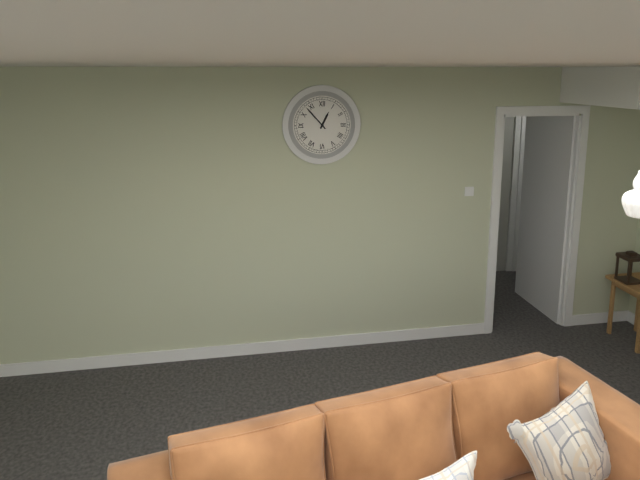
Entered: 12 h 53 min
